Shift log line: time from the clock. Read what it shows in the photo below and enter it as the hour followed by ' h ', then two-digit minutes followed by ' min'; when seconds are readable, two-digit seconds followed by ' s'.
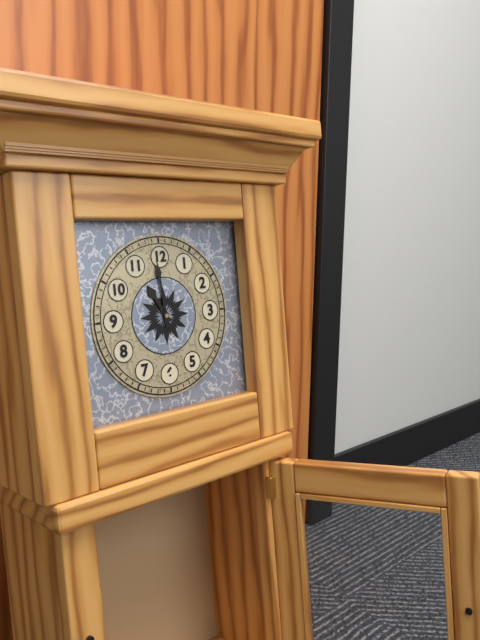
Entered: 10 h 59 min
